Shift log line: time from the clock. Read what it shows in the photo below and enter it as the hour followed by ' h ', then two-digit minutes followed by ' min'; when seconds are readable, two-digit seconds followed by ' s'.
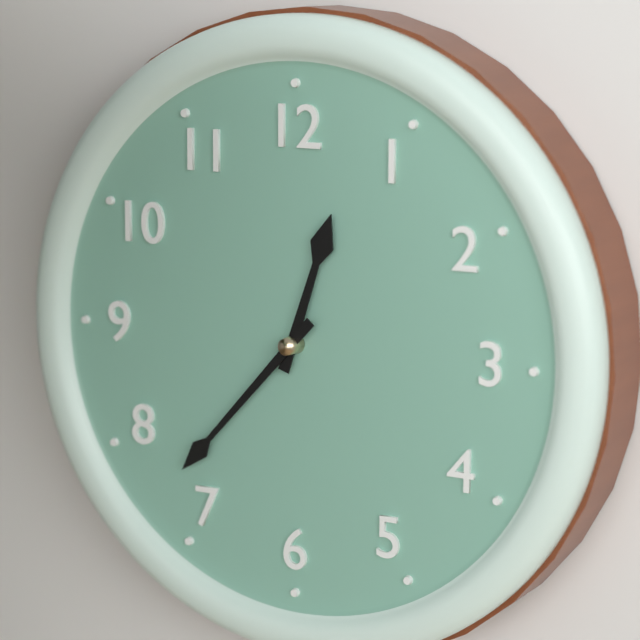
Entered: 12 h 37 min
